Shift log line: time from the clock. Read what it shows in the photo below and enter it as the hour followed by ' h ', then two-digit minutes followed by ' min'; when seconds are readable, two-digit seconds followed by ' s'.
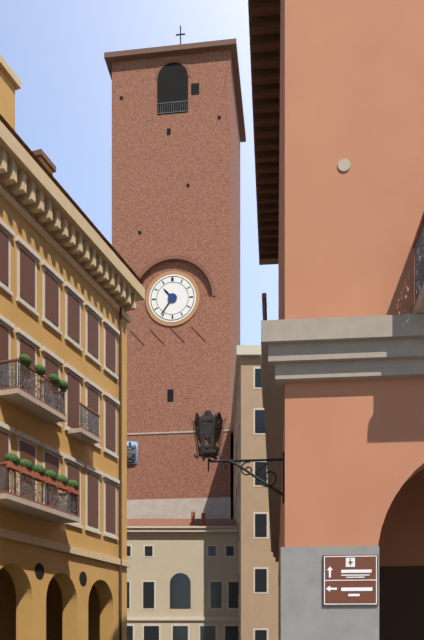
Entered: 10 h 36 min
